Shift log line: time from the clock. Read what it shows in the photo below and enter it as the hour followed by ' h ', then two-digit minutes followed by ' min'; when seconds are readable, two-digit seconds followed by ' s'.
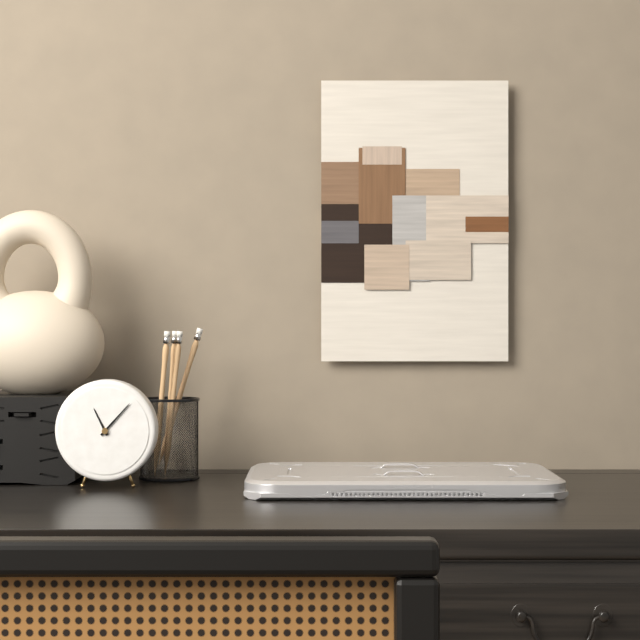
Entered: 11 h 07 min
